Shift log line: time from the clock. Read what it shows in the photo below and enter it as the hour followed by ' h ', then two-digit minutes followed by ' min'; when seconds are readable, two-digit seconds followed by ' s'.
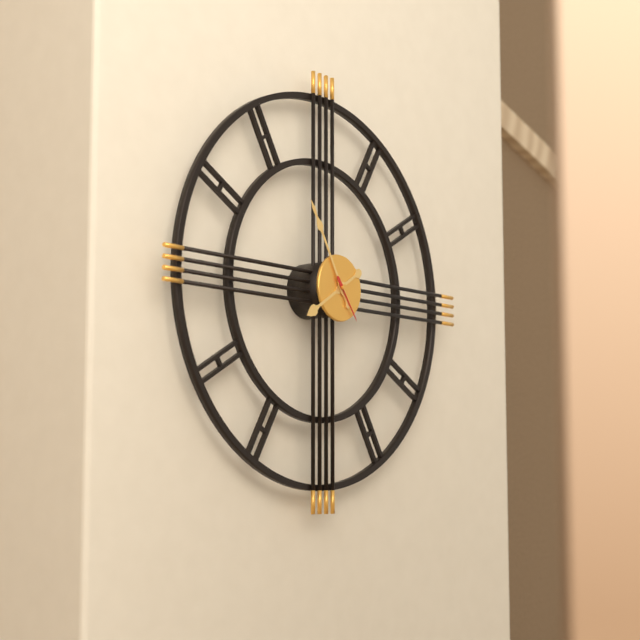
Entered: 7 h 55 min
